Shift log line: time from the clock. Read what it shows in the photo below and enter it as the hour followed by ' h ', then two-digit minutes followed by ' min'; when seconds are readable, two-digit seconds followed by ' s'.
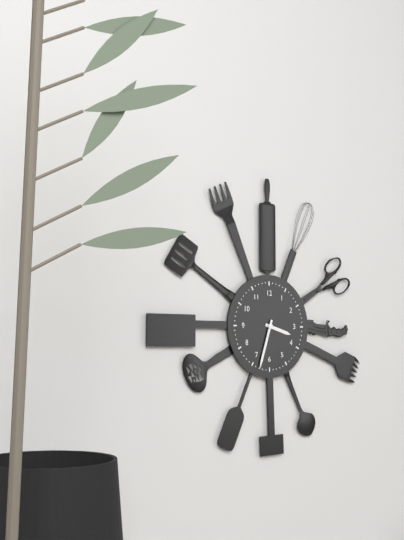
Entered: 3 h 33 min
